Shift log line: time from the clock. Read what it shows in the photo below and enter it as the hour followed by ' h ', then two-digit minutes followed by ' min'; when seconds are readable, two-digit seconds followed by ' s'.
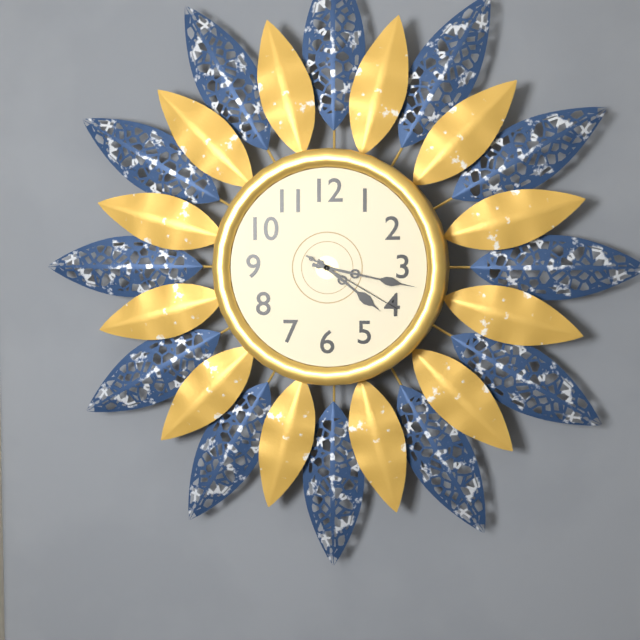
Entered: 4 h 17 min 20 s
